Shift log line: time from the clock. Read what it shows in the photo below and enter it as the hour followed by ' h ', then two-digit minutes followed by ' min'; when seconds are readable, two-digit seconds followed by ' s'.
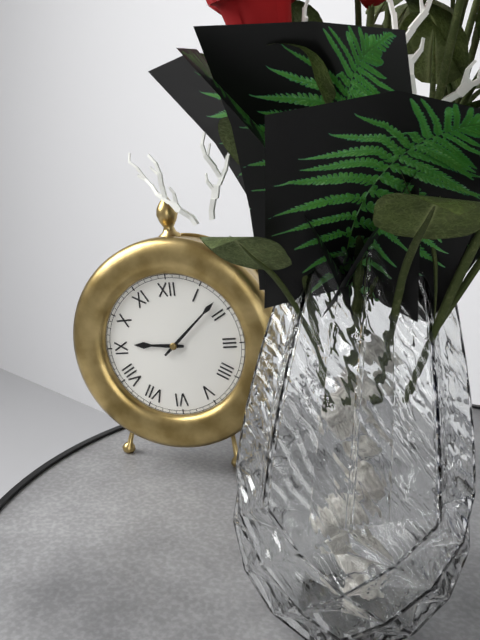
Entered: 9 h 08 min
